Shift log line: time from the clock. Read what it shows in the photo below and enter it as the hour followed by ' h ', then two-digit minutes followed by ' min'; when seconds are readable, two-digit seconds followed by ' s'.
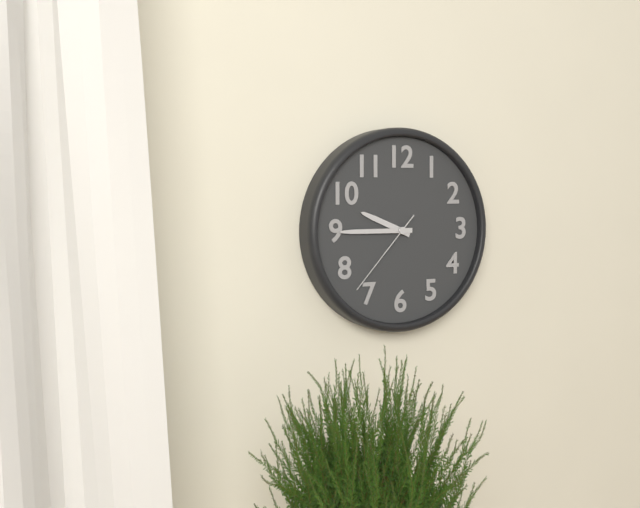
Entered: 9 h 45 min 37 s
